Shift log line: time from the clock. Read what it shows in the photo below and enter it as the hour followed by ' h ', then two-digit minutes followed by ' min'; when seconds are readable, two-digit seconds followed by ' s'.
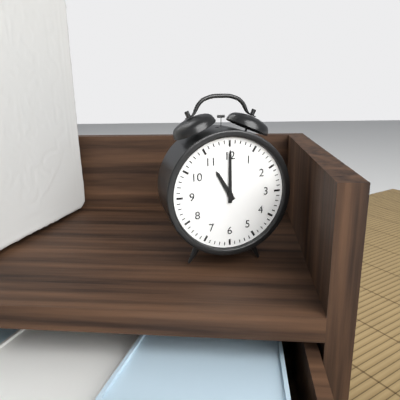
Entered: 11 h 00 min
